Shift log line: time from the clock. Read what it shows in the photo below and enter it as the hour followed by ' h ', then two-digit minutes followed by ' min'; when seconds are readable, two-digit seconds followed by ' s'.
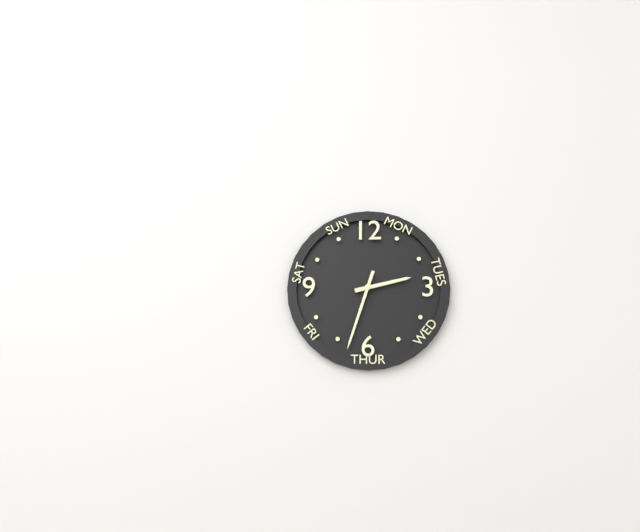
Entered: 2 h 33 min
